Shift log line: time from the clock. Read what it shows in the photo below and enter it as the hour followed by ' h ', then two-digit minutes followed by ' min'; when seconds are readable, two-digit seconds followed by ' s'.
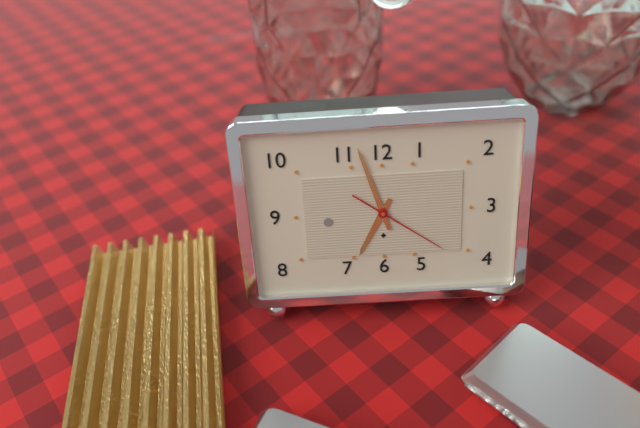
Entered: 6 h 57 min 21 s
